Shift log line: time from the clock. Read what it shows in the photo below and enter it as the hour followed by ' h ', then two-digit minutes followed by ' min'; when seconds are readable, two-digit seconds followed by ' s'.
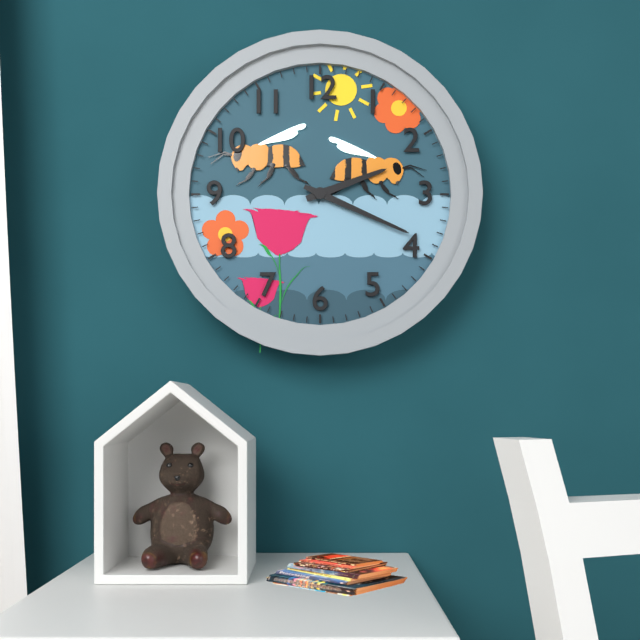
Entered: 2 h 19 min
